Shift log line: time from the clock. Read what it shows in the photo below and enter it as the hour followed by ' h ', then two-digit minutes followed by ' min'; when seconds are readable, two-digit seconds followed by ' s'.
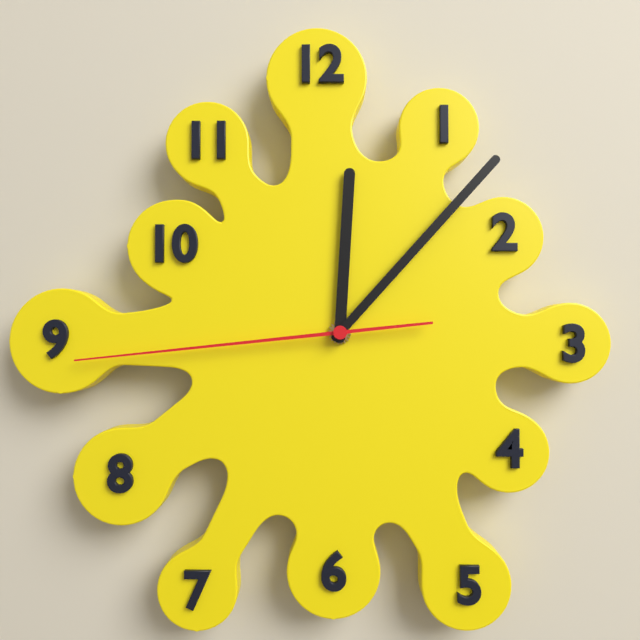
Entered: 12 h 07 min 44 s
